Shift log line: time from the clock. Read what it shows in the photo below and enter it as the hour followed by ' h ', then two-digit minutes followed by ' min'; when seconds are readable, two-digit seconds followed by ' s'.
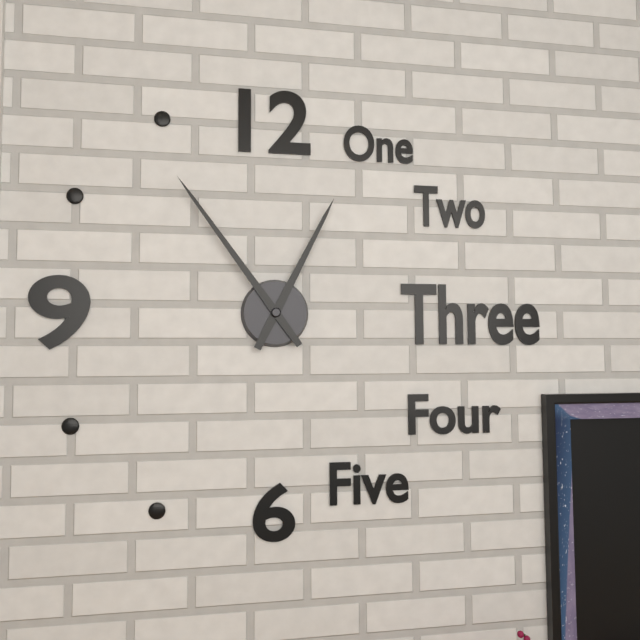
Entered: 12 h 54 min
